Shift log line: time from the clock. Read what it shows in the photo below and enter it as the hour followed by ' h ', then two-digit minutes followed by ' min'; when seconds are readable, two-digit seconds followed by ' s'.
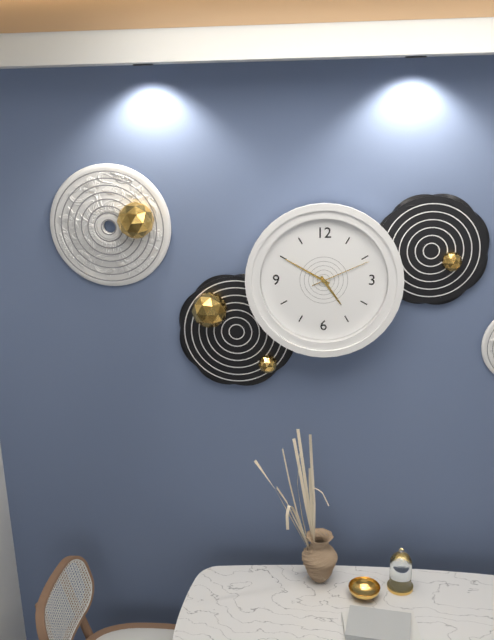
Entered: 4 h 50 min 11 s
